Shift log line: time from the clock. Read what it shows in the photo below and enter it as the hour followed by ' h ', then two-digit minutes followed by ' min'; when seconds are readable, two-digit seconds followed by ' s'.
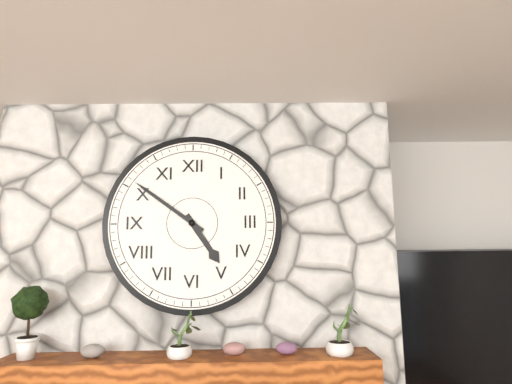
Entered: 4 h 51 min
